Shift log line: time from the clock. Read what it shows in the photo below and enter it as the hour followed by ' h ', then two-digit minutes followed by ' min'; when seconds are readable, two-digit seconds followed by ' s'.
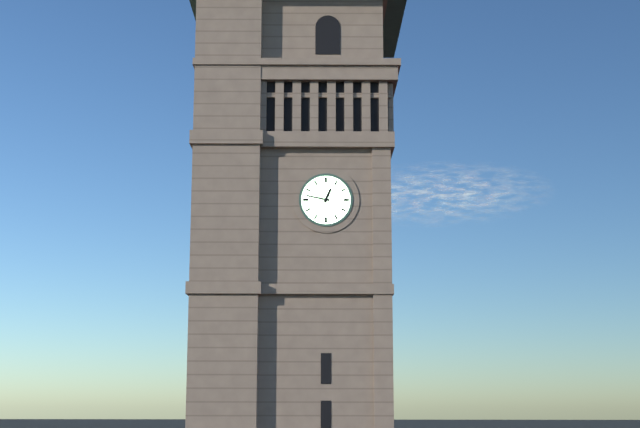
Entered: 12 h 47 min
